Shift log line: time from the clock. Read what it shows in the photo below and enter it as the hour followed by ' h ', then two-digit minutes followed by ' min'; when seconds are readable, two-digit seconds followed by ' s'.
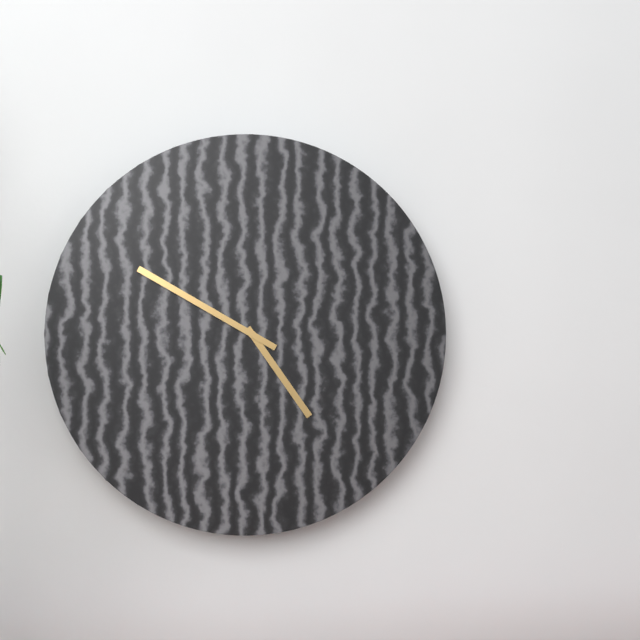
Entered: 4 h 50 min
